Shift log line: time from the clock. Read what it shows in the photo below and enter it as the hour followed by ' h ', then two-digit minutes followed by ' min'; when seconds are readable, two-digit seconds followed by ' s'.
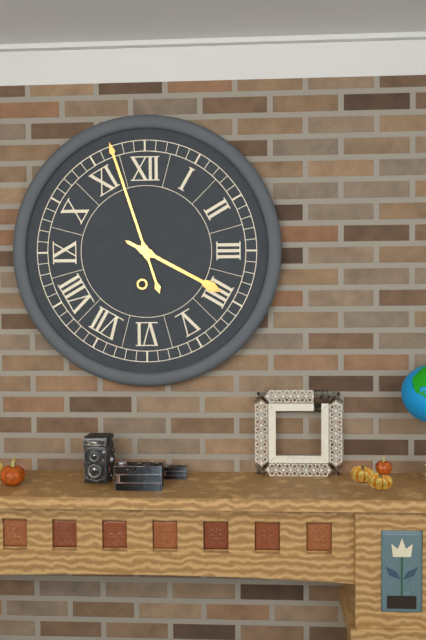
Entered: 3 h 57 min
